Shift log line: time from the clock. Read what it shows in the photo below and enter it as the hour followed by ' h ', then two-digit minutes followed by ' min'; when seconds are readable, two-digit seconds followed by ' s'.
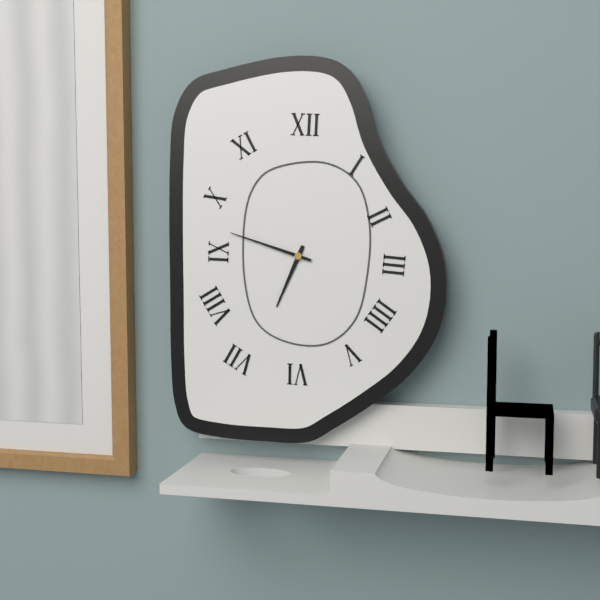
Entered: 6 h 48 min
